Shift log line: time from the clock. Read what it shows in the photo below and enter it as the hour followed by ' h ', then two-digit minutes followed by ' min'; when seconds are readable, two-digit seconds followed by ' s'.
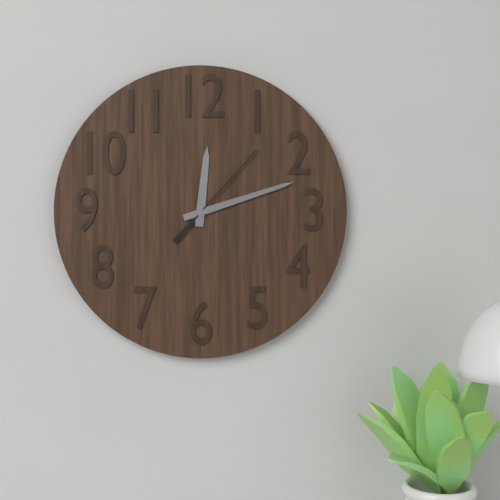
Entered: 12 h 12 min 07 s
